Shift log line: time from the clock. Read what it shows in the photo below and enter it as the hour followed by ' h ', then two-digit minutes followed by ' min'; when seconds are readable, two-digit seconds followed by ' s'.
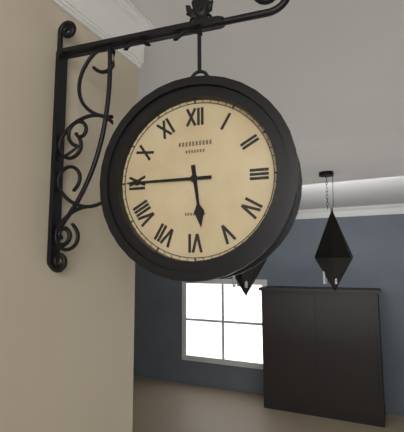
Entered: 5 h 45 min
